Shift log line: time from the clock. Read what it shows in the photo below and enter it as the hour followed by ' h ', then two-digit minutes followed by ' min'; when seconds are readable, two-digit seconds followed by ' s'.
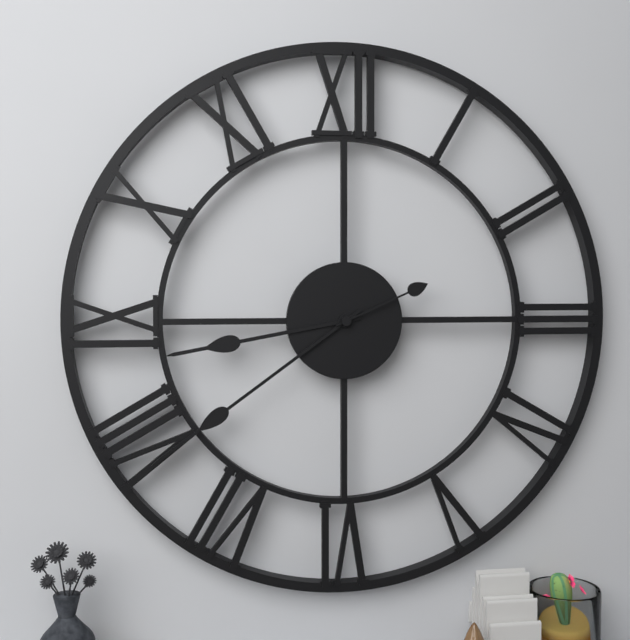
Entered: 8 h 39 min 11 s
